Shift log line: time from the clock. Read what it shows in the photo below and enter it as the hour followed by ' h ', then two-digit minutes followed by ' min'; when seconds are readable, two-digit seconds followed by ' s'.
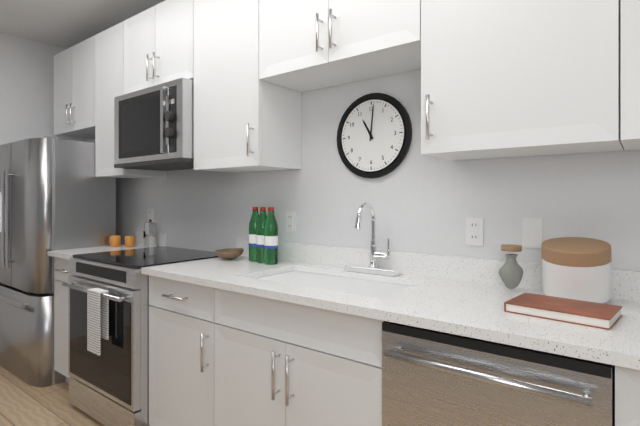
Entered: 11 h 01 min
